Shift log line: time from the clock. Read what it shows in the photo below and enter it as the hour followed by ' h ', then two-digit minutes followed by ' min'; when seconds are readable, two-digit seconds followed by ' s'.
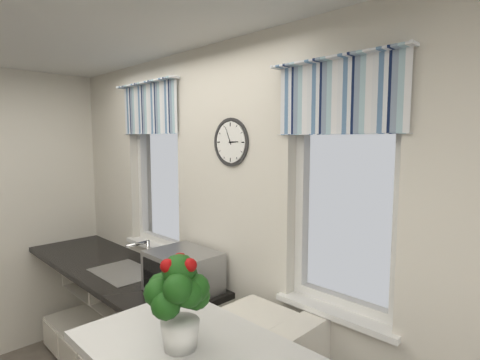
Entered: 2 h 56 min
